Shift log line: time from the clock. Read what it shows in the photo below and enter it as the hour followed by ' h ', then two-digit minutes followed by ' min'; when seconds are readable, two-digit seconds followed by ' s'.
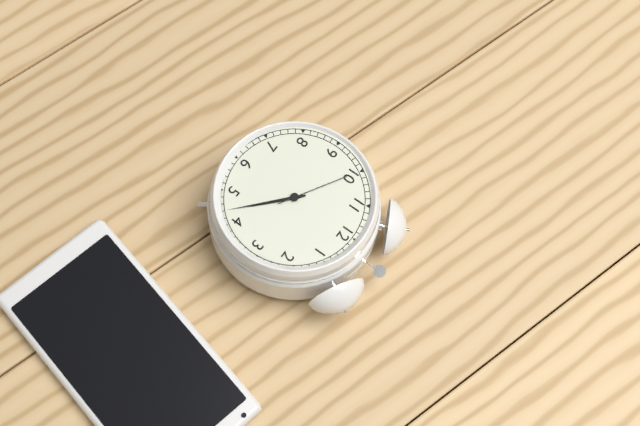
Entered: 4 h 22 min 50 s
